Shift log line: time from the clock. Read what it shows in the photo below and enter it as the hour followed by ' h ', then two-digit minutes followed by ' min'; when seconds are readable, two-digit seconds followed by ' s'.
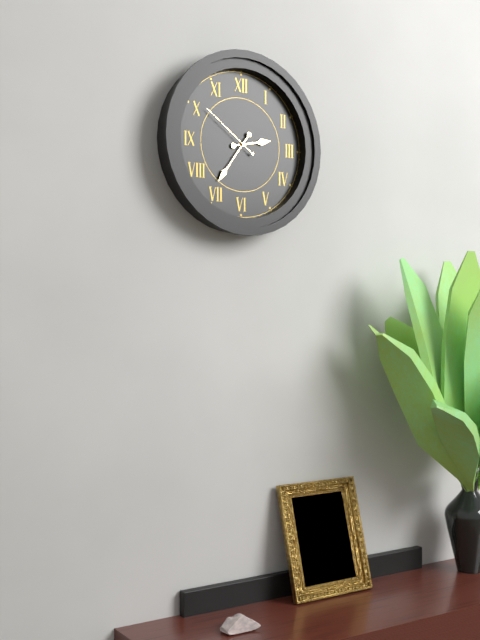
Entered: 2 h 36 min 51 s
